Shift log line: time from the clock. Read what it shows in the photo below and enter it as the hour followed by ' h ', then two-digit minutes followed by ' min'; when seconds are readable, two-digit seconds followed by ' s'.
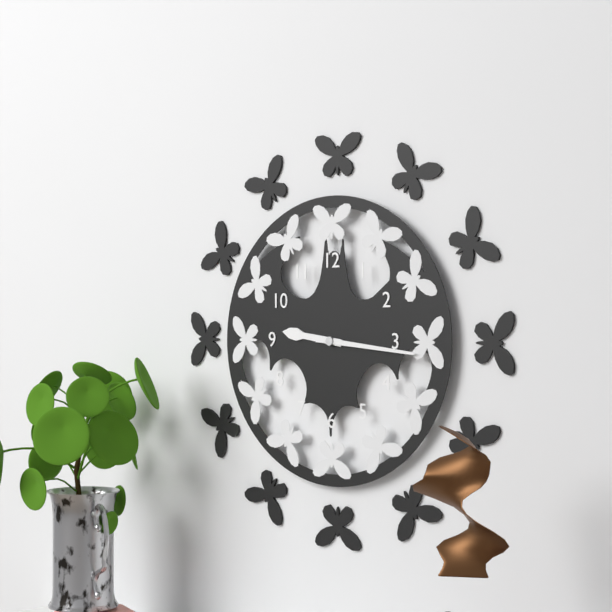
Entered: 9 h 16 min
